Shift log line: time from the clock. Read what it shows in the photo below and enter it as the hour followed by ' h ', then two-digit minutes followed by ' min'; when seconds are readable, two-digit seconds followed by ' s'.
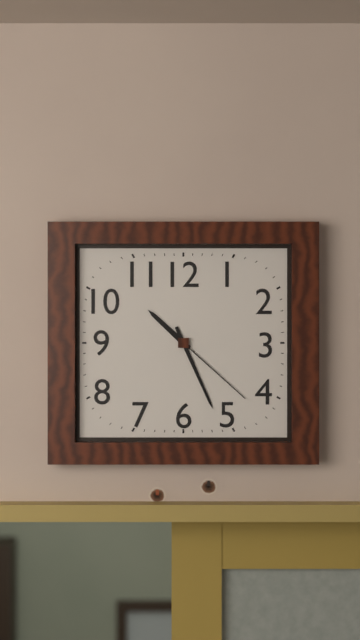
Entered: 10 h 26 min 22 s
